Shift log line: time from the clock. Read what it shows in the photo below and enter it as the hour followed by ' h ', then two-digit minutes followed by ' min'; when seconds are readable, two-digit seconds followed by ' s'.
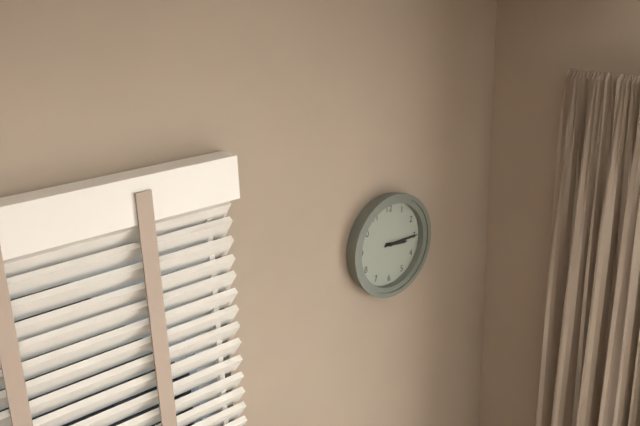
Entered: 3 h 15 min
